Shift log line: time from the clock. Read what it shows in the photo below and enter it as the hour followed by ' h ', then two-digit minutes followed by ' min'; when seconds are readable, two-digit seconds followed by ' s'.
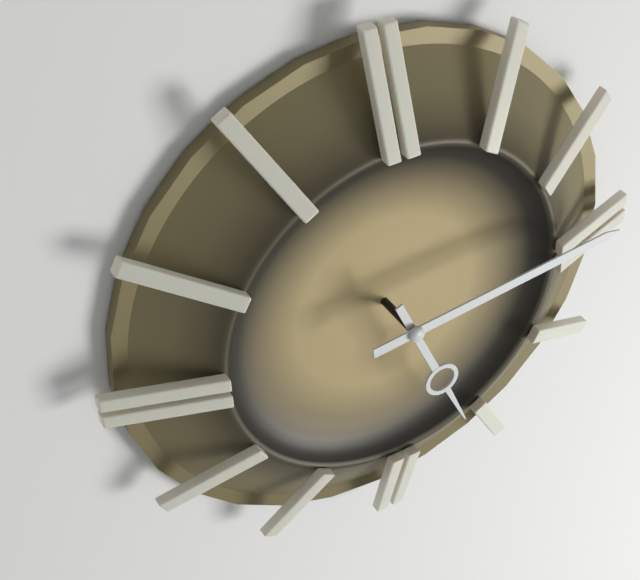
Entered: 5 h 14 min
